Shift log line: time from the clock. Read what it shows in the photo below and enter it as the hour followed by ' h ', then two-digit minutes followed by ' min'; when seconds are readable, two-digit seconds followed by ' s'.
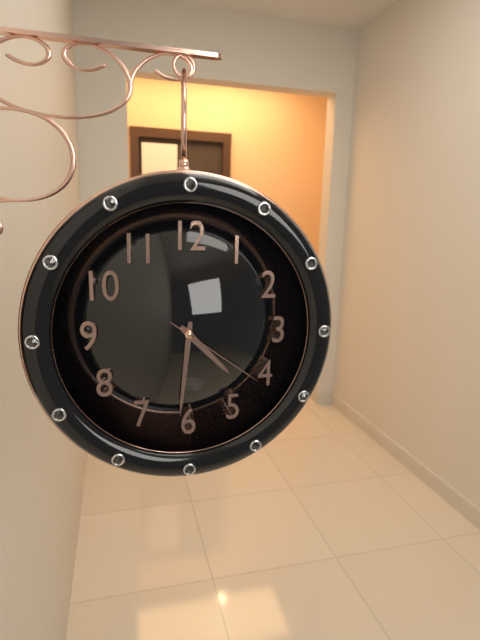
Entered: 4 h 31 min 21 s
